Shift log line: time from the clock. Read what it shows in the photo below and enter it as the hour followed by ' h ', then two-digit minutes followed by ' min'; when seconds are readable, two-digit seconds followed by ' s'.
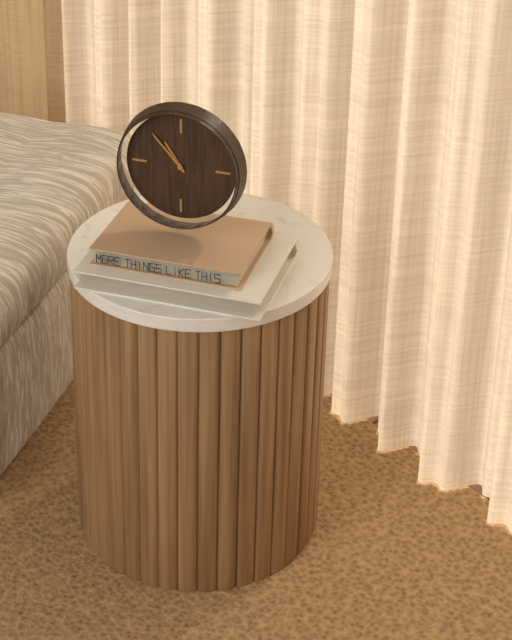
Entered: 10 h 53 min
